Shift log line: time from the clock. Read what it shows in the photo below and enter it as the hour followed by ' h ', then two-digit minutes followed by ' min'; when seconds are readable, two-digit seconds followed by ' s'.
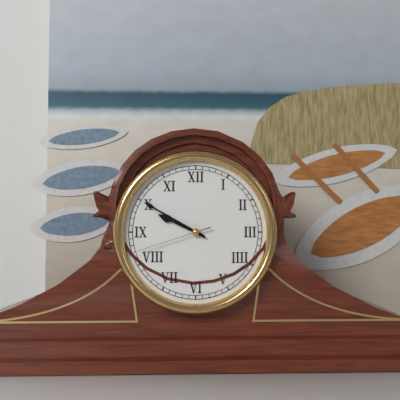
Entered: 9 h 50 min 42 s
